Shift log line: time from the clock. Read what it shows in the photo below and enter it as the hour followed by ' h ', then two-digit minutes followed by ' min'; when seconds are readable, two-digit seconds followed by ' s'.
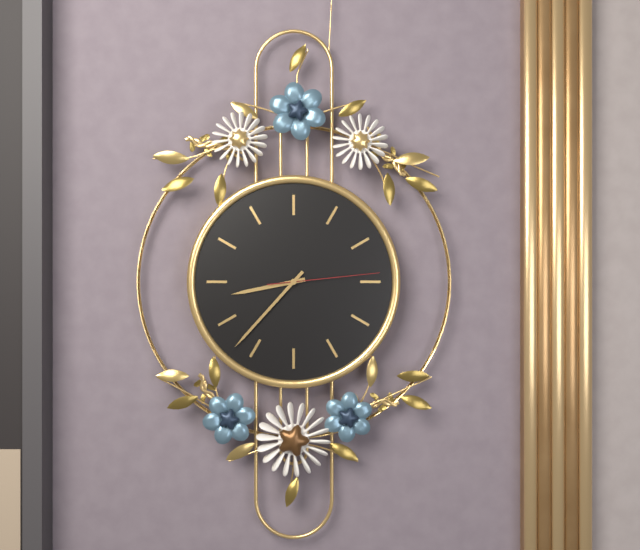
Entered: 8 h 37 min 14 s
